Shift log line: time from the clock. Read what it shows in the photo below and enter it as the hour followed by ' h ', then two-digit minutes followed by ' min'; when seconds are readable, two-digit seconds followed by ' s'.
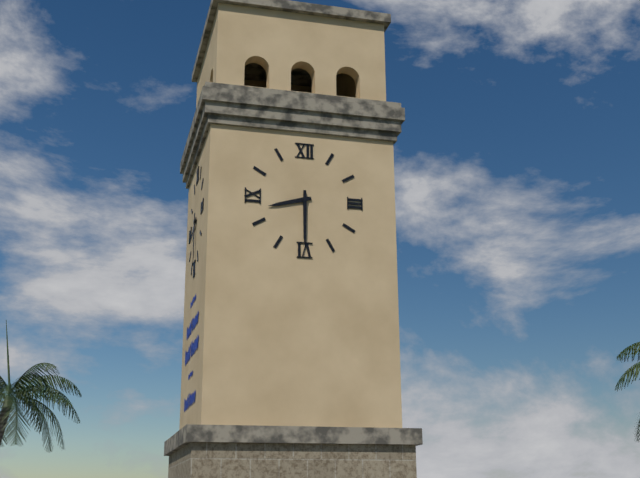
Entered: 8 h 30 min
